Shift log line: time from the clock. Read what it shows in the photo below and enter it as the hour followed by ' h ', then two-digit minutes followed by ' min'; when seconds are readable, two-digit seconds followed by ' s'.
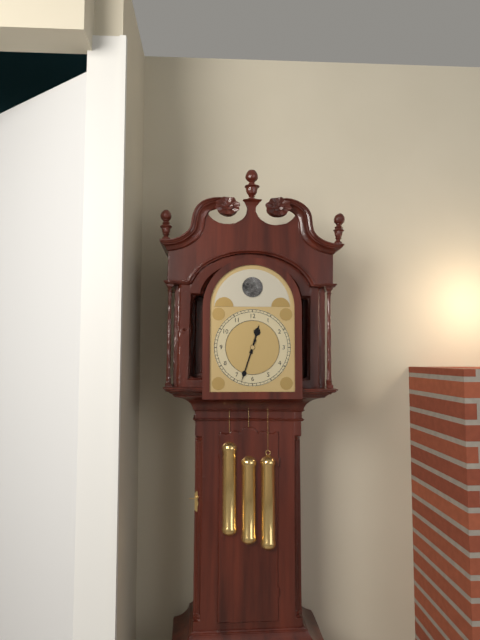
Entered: 12 h 33 min
